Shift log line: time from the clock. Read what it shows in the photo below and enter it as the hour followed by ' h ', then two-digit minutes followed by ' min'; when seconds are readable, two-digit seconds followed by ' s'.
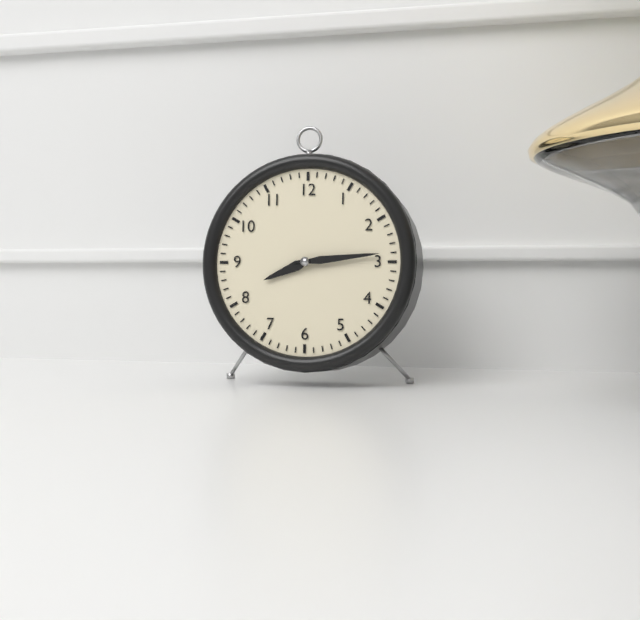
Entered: 8 h 14 min
